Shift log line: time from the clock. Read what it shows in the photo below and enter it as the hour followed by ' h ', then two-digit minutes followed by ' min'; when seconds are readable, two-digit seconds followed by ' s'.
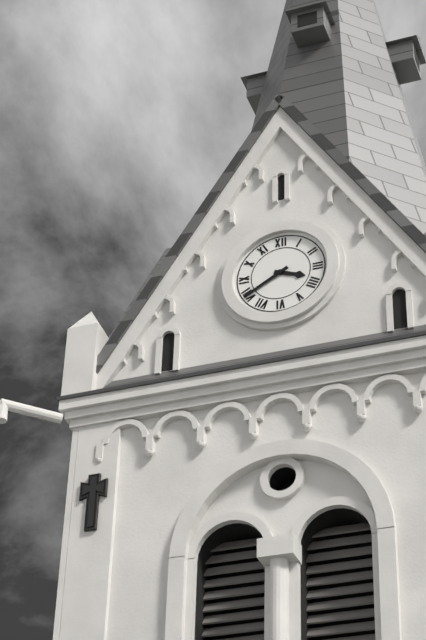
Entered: 3 h 40 min
